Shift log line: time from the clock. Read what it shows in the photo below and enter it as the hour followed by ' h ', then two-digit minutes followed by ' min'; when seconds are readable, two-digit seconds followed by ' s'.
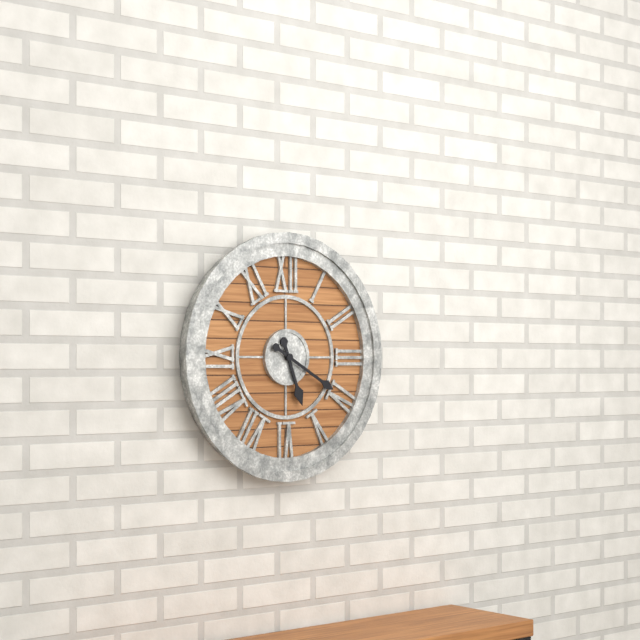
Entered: 5 h 20 min
